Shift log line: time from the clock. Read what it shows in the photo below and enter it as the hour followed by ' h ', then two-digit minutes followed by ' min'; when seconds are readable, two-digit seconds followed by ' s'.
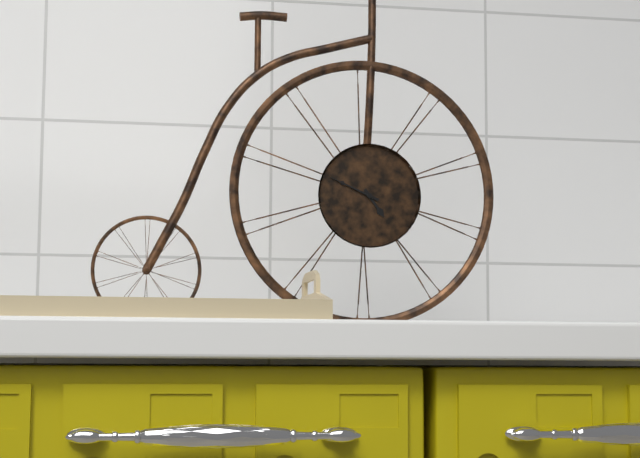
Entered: 4 h 49 min
